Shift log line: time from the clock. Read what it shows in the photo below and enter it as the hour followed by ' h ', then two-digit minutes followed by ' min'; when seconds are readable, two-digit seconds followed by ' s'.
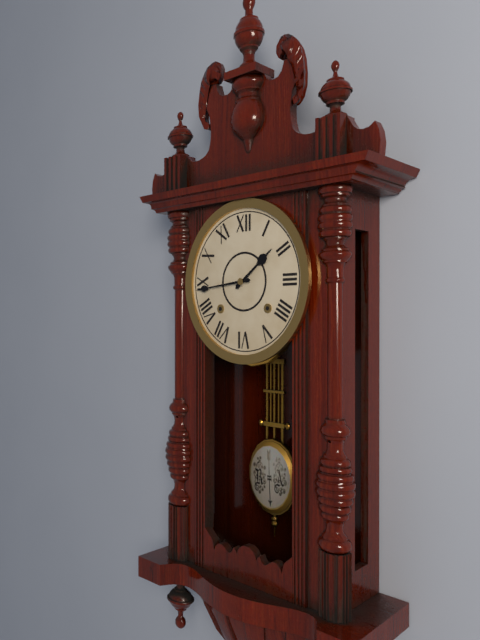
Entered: 1 h 44 min
